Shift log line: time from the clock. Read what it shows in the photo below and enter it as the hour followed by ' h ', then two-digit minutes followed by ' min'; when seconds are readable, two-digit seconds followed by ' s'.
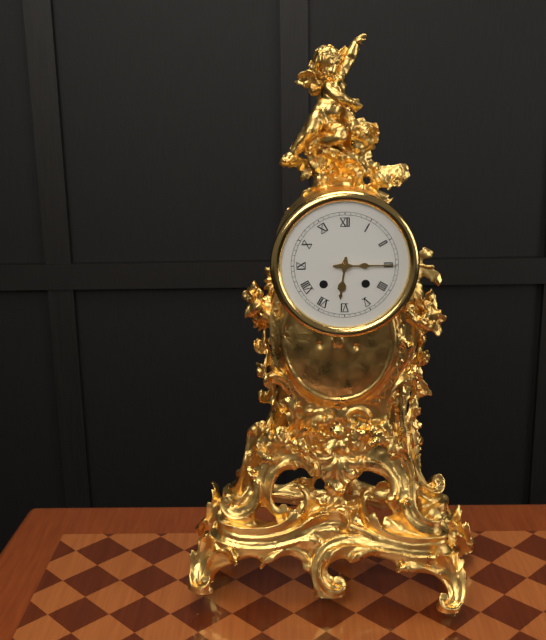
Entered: 6 h 15 min
